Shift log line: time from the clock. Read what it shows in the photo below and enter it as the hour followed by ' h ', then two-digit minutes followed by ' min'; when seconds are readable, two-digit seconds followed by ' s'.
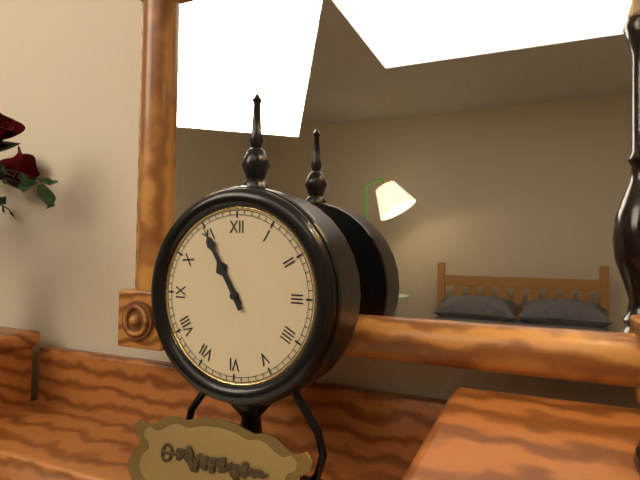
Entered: 10 h 55 min
